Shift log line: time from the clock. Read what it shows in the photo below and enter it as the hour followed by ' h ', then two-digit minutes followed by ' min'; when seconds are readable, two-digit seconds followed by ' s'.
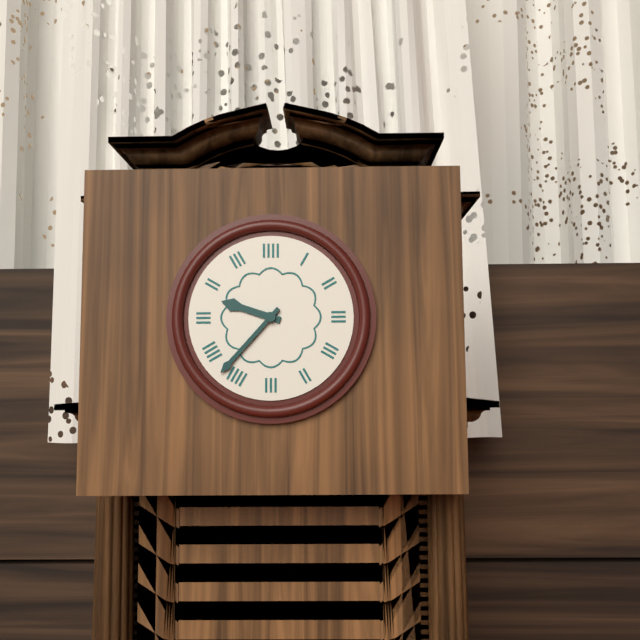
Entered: 9 h 37 min
